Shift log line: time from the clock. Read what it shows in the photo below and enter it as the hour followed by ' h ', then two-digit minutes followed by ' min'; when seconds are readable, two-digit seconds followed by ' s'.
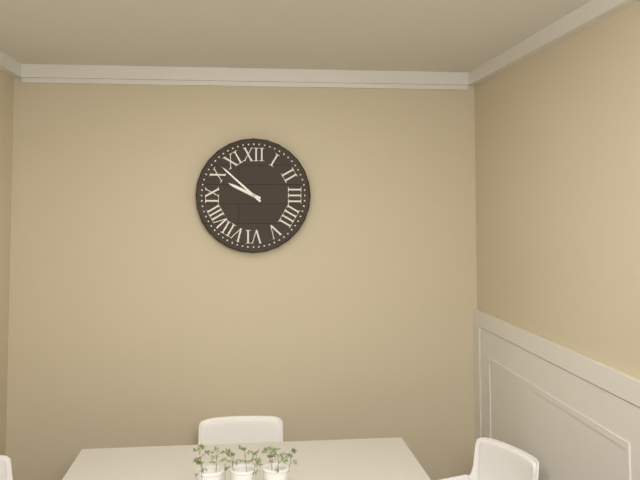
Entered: 9 h 52 min
